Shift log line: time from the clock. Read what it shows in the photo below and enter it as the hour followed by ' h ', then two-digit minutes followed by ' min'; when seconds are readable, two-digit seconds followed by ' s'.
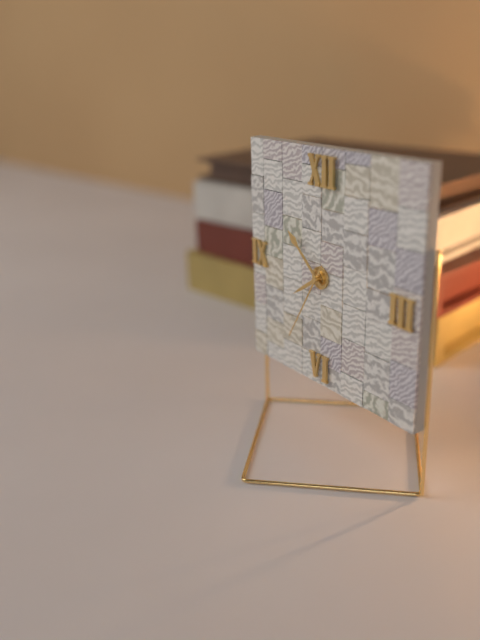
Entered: 7 h 52 min 35 s
